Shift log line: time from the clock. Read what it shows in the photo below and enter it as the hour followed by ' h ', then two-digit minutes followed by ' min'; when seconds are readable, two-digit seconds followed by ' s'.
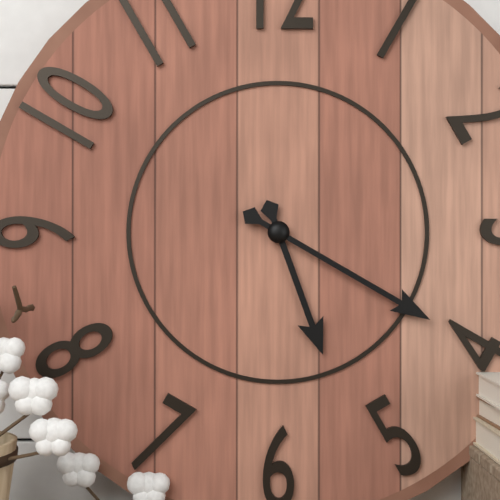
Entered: 5 h 20 min
